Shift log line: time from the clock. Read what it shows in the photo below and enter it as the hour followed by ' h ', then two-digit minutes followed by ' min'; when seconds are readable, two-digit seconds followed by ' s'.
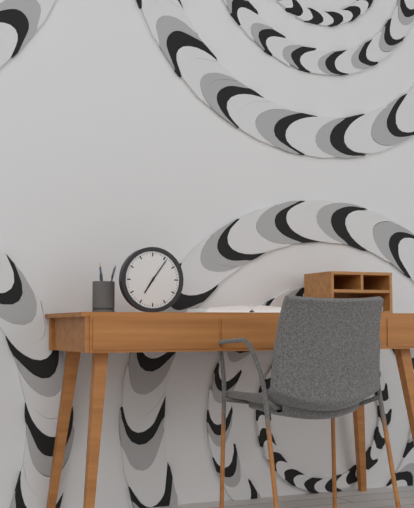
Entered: 7 h 06 min
